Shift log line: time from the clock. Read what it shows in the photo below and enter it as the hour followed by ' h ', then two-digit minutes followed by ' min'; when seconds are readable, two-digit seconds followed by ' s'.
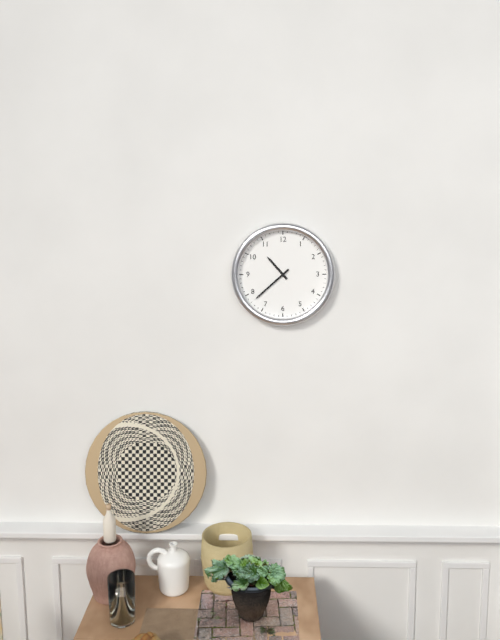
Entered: 10 h 38 min
